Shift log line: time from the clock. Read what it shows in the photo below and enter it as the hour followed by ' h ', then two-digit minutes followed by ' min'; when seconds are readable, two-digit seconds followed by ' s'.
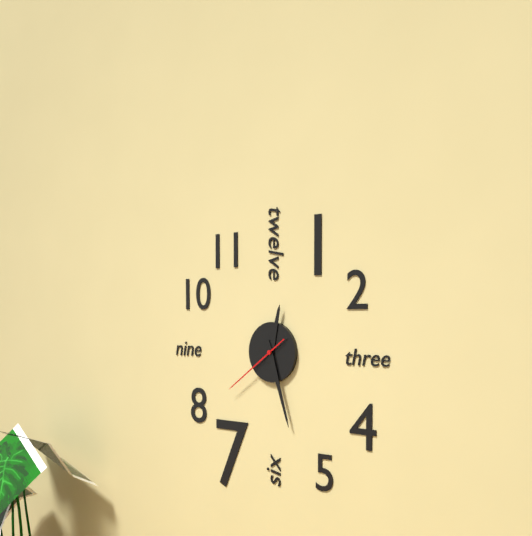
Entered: 12 h 27 min 39 s
